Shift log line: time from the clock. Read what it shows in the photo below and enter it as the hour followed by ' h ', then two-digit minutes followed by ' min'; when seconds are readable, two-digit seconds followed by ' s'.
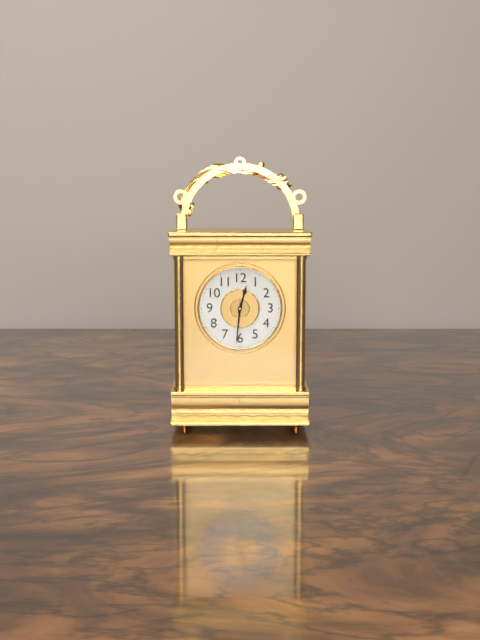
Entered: 12 h 31 min
